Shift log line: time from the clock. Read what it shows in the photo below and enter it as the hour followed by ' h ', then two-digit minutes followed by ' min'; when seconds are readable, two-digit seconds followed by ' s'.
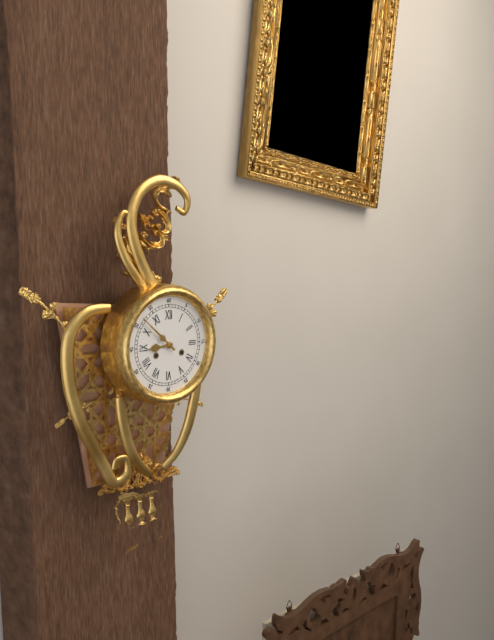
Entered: 8 h 52 min
